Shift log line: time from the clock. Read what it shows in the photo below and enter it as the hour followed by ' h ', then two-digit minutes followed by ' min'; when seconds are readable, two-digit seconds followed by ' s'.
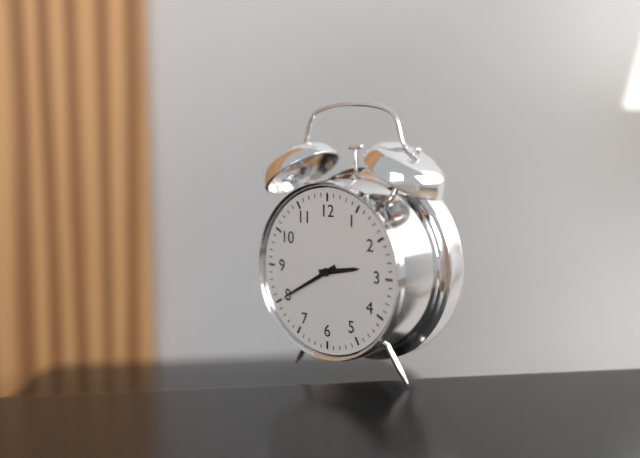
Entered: 2 h 40 min
